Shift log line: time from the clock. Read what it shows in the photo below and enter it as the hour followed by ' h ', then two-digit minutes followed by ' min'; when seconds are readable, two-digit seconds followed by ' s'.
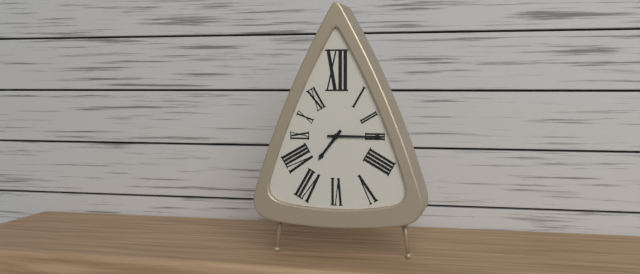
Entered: 7 h 15 min
